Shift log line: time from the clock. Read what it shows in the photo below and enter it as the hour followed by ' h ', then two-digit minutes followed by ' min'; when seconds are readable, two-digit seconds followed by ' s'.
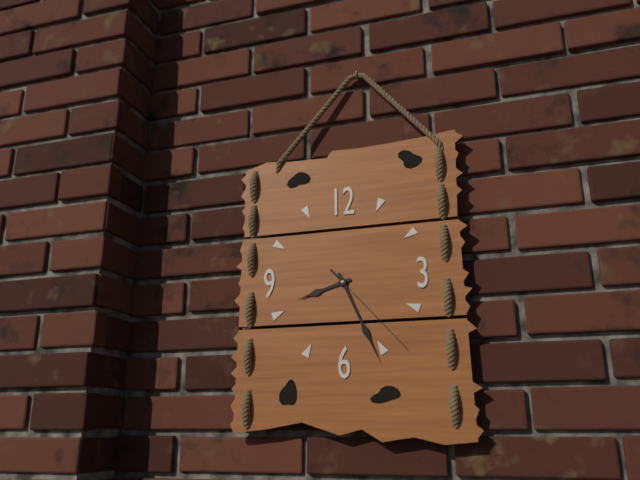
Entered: 8 h 26 min 23 s
